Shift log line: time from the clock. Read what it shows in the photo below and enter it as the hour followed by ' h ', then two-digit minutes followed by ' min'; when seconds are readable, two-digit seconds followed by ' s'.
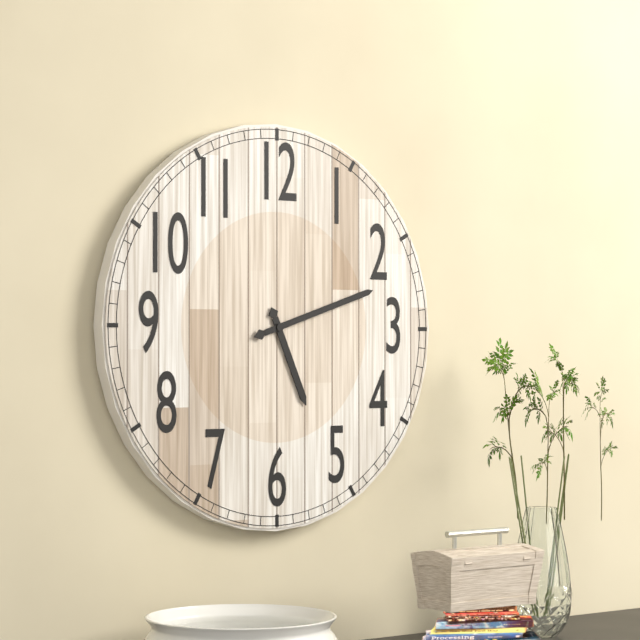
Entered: 5 h 12 min
